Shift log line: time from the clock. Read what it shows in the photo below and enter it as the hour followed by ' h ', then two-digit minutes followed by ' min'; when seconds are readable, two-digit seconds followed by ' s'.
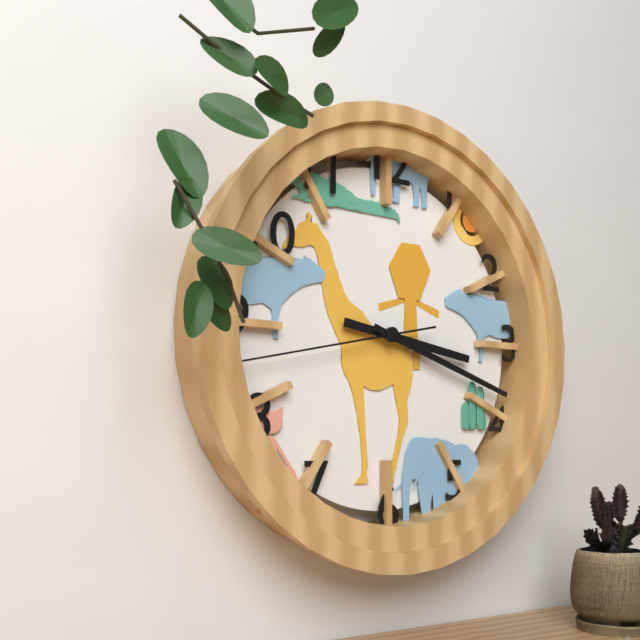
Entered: 3 h 18 min 43 s
